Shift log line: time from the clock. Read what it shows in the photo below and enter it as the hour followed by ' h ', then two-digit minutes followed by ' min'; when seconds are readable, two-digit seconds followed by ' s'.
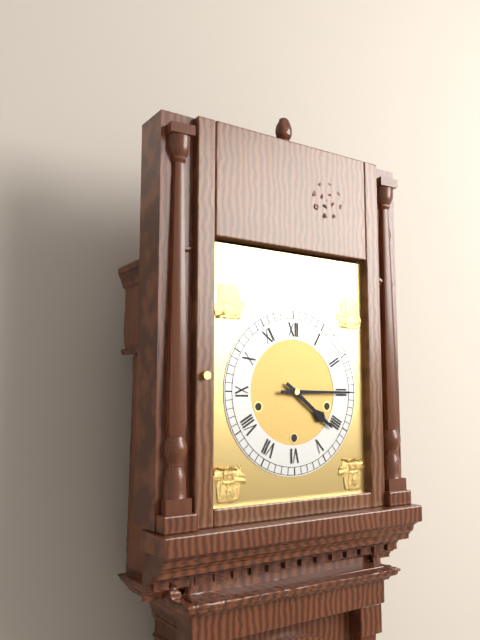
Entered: 4 h 15 min
